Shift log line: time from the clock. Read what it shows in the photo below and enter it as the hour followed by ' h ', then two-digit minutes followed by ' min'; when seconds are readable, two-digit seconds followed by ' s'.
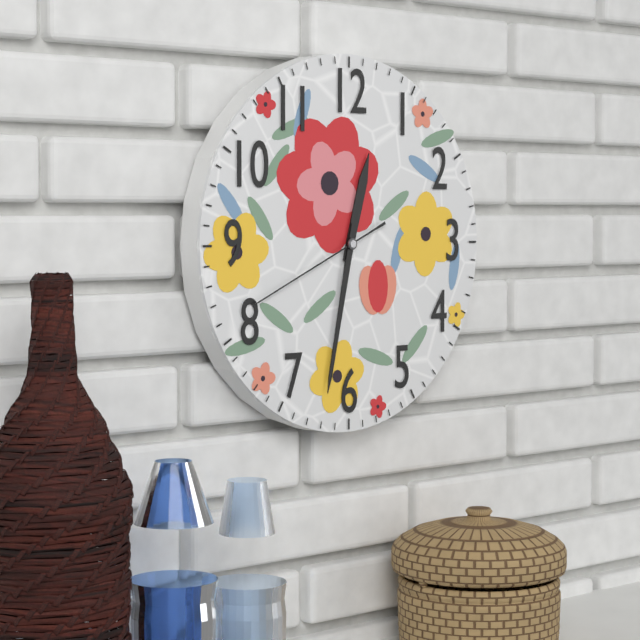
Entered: 12 h 32 min 41 s
